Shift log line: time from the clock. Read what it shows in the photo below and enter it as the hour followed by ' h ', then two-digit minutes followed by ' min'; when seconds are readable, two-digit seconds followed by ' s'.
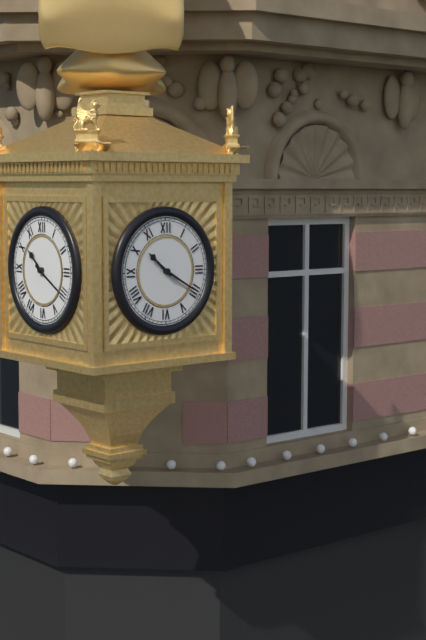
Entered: 10 h 20 min
